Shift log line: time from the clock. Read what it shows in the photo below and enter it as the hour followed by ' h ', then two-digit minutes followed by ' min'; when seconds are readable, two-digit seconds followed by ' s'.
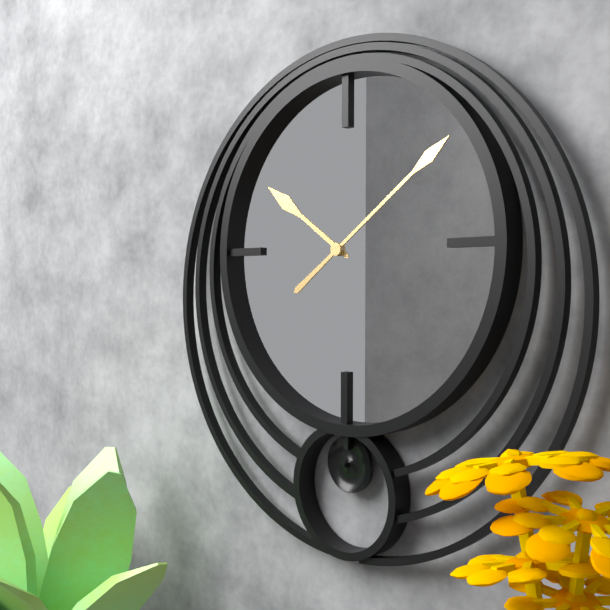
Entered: 10 h 09 min
